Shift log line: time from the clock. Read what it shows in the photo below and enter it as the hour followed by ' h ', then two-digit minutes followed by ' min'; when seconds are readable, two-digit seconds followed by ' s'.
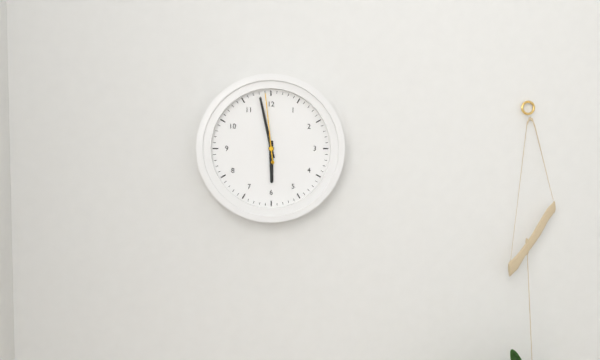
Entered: 5 h 58 min 59 s
